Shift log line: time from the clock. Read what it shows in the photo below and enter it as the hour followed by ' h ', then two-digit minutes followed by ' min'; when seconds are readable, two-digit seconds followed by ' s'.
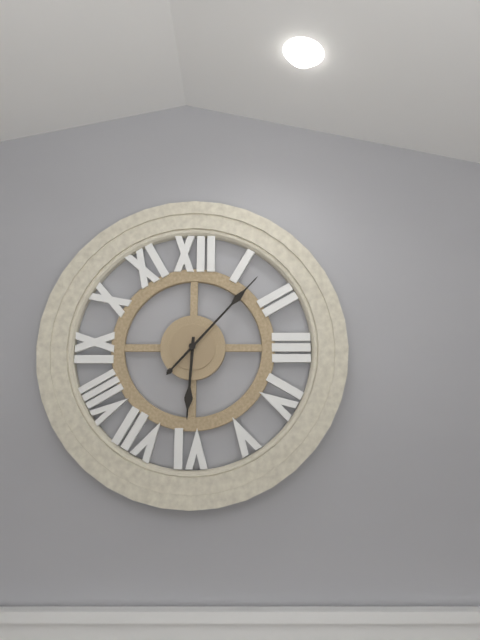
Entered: 6 h 07 min
